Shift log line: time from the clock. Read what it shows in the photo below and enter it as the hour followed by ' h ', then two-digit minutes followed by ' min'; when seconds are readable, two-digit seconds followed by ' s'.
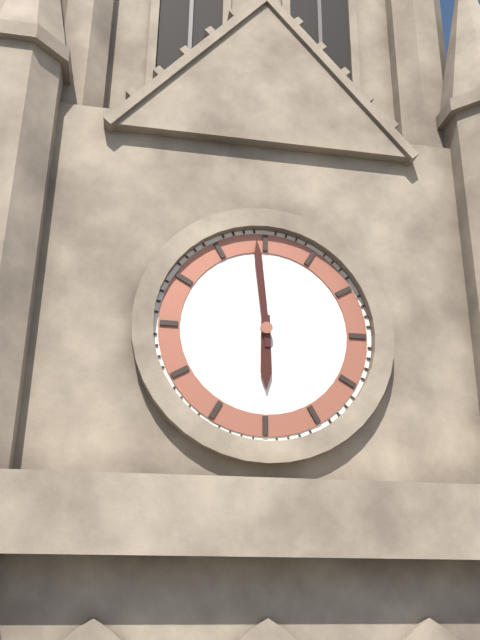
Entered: 5 h 59 min
